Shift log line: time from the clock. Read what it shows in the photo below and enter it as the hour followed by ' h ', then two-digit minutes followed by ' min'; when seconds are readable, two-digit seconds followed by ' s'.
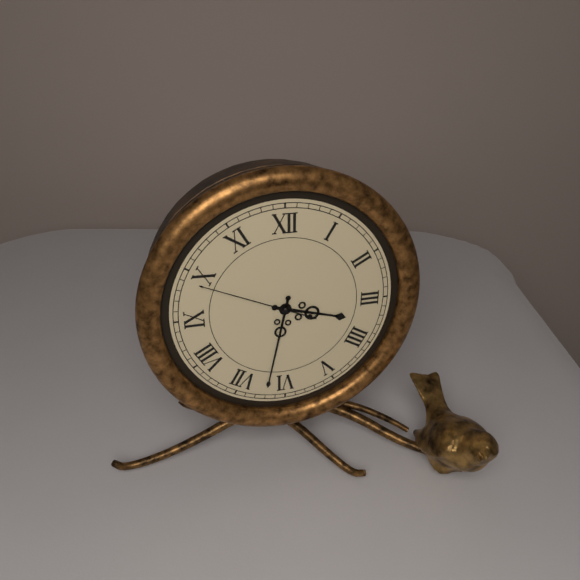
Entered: 3 h 32 min 49 s
